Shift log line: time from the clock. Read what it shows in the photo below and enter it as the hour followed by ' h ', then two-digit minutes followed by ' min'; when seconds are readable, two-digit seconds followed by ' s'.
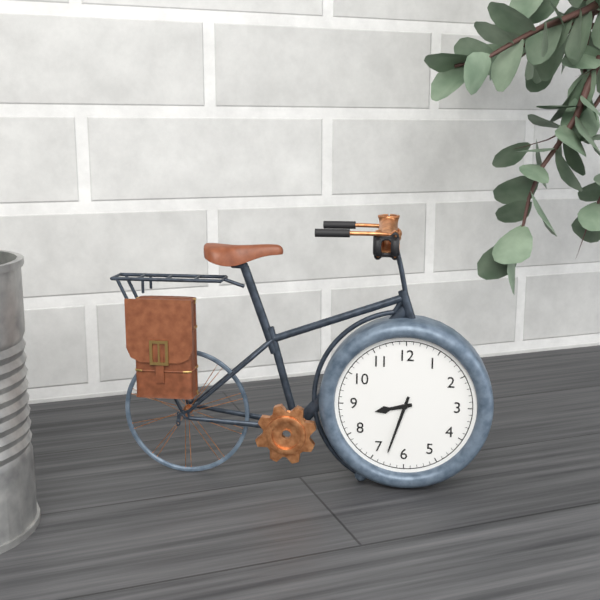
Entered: 8 h 33 min
